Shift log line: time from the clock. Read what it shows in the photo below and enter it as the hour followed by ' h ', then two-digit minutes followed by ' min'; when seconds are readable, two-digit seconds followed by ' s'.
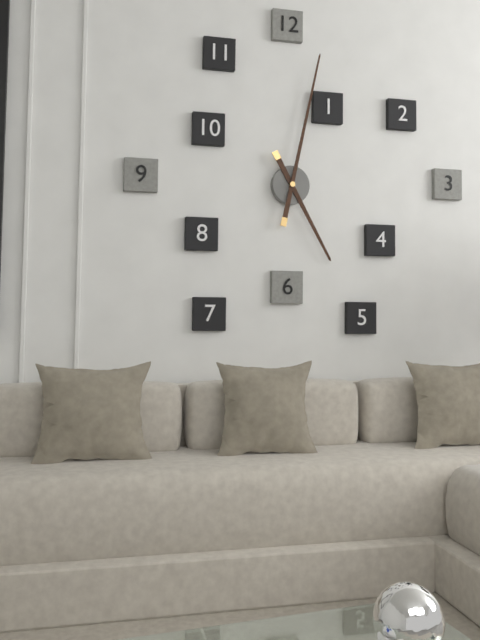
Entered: 5 h 02 min
